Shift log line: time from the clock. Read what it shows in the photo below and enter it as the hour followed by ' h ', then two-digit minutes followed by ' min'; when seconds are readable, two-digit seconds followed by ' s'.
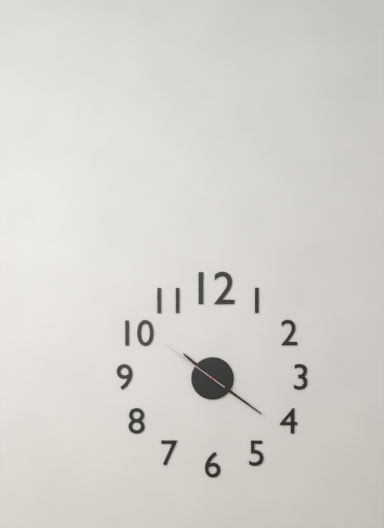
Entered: 10 h 21 min 51 s
